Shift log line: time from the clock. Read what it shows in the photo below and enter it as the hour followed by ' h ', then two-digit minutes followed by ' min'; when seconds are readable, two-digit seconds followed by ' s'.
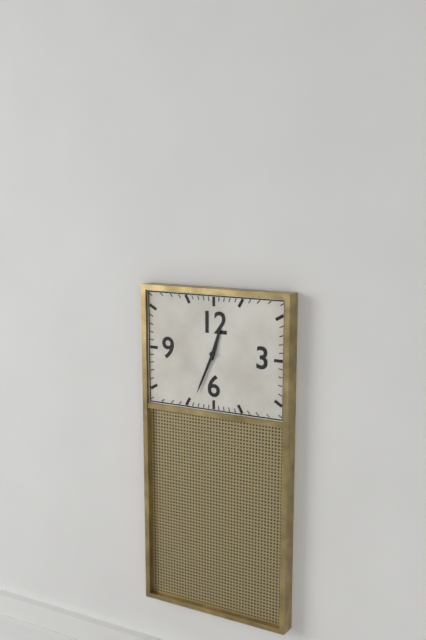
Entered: 12 h 34 min
